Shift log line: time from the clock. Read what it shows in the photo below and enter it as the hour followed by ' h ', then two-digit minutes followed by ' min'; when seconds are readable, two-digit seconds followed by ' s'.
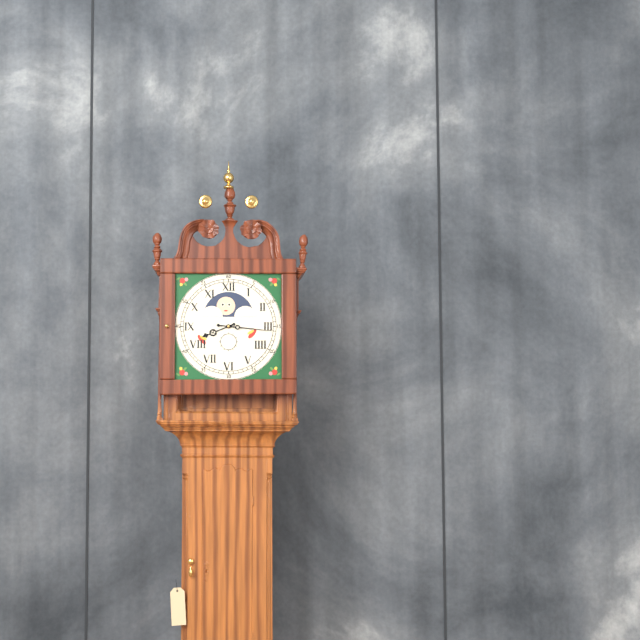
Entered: 8 h 16 min
